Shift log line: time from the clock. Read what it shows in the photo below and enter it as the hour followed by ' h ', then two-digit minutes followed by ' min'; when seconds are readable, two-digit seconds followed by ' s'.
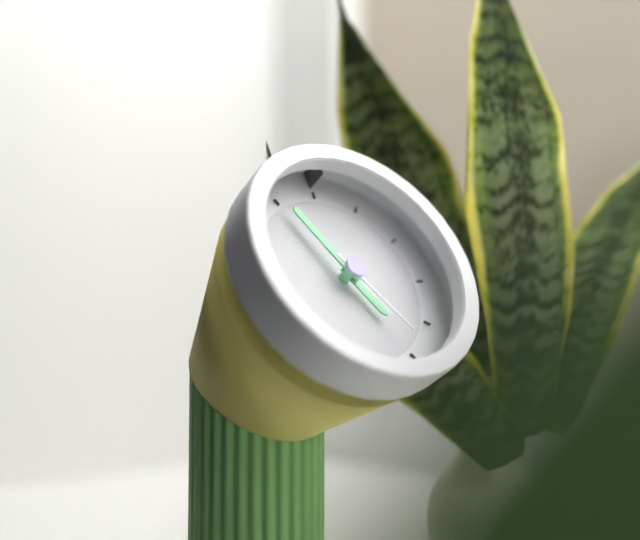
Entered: 4 h 55 min 24 s
